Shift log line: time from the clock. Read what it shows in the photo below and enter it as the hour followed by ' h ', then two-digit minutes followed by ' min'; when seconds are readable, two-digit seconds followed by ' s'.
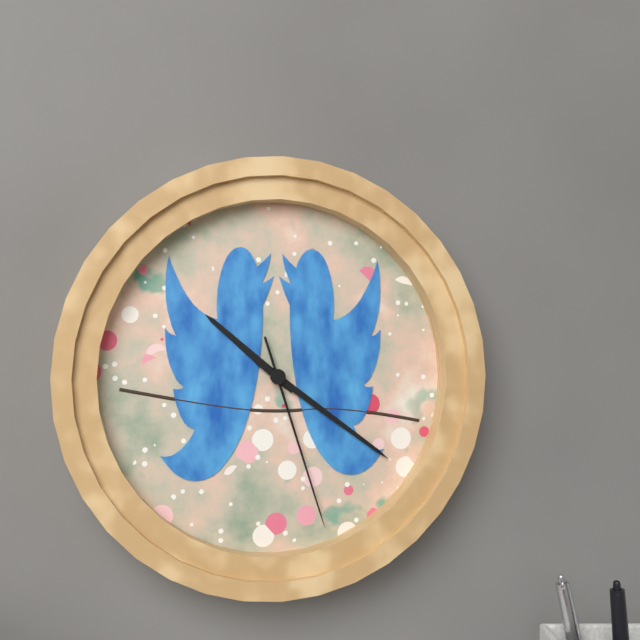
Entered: 10 h 21 min 27 s
